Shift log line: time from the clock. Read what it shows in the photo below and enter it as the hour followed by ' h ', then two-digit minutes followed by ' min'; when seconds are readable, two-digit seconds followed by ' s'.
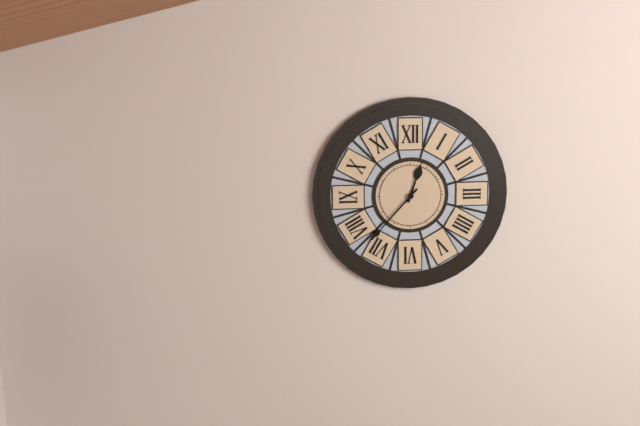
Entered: 12 h 37 min
